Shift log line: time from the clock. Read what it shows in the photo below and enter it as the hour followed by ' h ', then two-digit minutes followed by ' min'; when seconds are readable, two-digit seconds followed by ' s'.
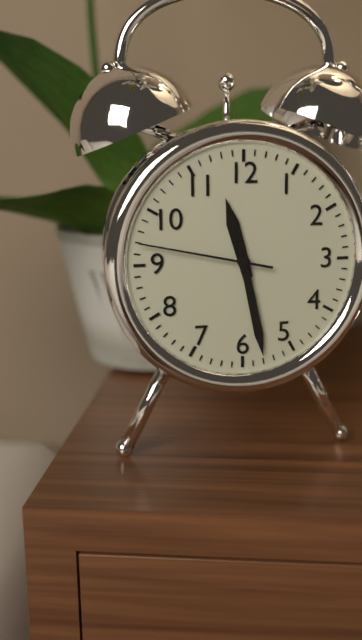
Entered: 11 h 28 min 47 s
